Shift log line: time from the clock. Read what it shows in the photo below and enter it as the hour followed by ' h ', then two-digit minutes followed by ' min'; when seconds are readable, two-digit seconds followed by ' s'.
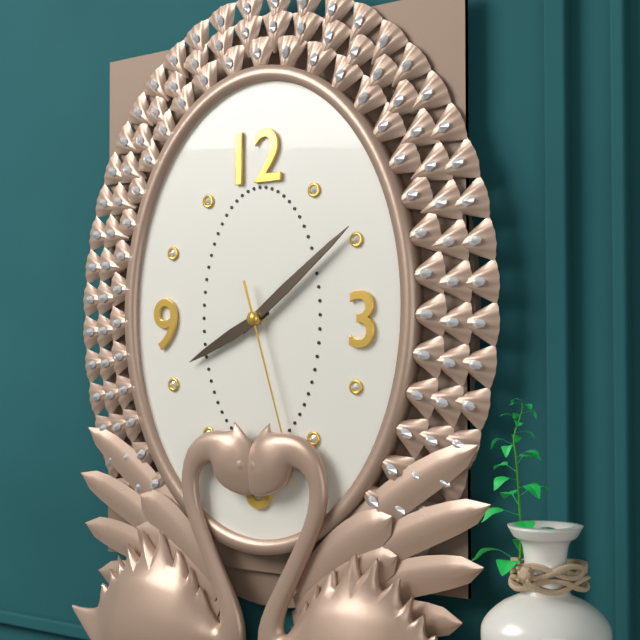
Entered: 8 h 09 min 27 s
